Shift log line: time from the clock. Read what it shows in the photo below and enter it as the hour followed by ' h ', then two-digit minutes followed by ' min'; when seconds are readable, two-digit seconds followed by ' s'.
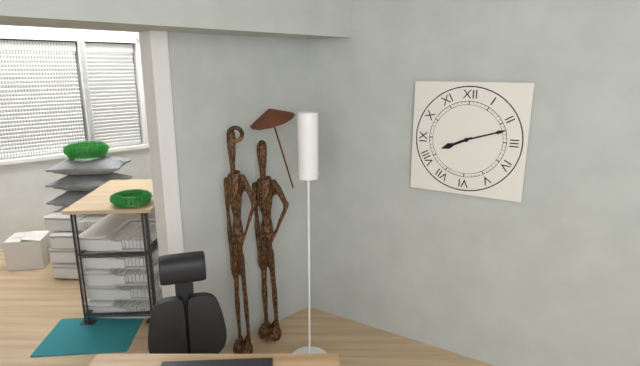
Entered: 8 h 12 min
